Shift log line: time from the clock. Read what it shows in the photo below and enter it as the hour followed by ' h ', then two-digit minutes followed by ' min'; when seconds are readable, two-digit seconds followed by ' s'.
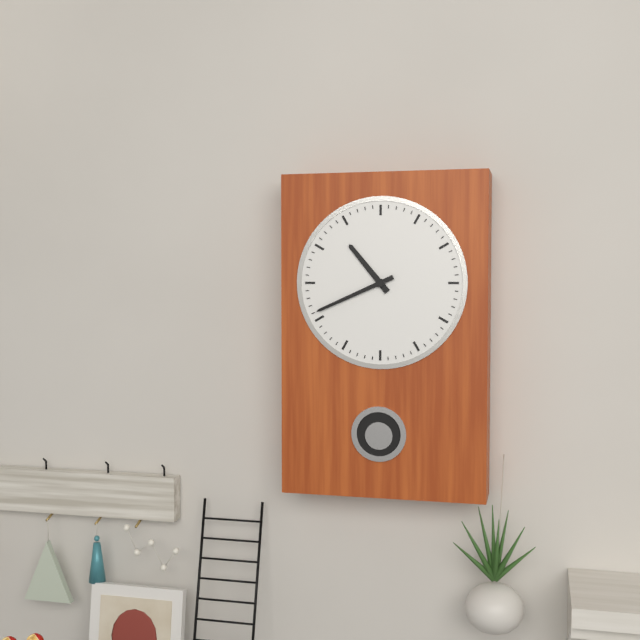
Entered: 10 h 41 min
